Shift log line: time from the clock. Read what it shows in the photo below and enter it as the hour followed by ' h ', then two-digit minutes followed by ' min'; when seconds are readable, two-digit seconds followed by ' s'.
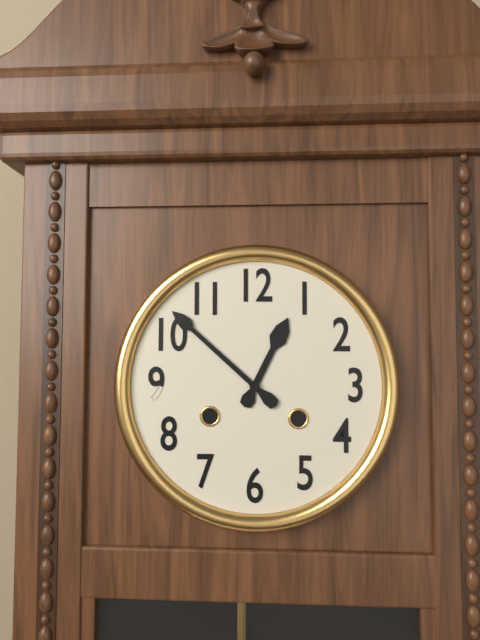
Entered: 12 h 52 min
